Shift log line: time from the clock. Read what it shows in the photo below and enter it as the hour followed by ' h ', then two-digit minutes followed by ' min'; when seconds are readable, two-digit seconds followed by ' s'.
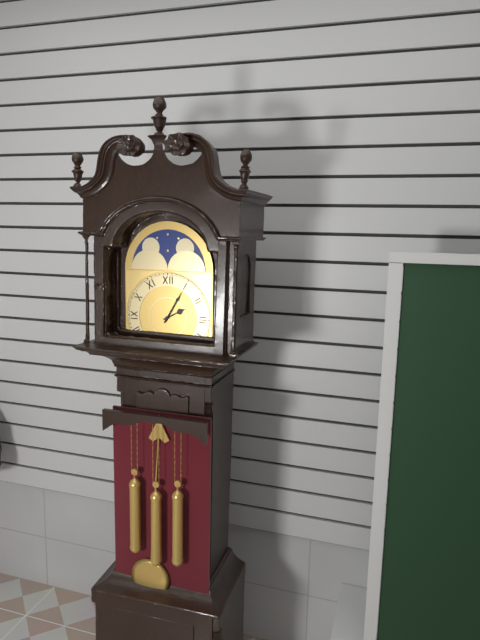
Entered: 2 h 05 min
